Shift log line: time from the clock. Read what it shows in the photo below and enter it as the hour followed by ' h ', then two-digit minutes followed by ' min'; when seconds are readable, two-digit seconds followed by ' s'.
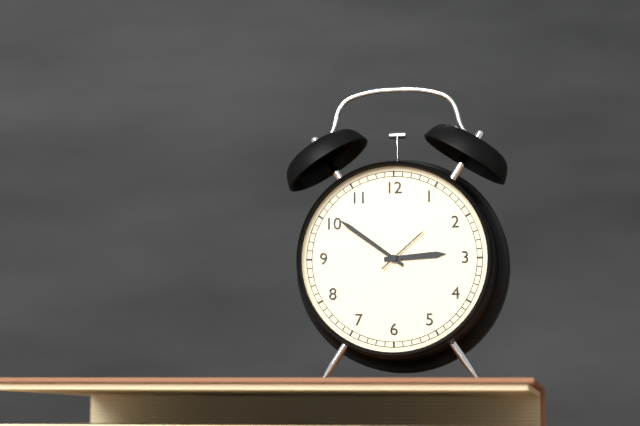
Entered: 2 h 51 min 08 s
